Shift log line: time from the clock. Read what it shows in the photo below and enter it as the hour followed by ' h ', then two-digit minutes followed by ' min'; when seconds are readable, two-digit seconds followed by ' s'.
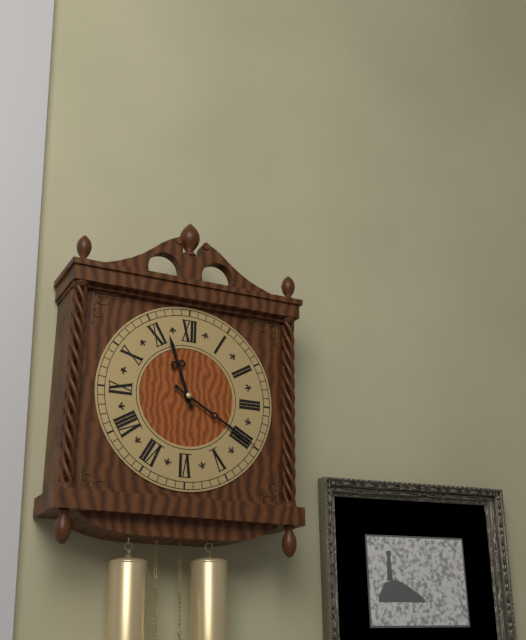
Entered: 11 h 20 min
